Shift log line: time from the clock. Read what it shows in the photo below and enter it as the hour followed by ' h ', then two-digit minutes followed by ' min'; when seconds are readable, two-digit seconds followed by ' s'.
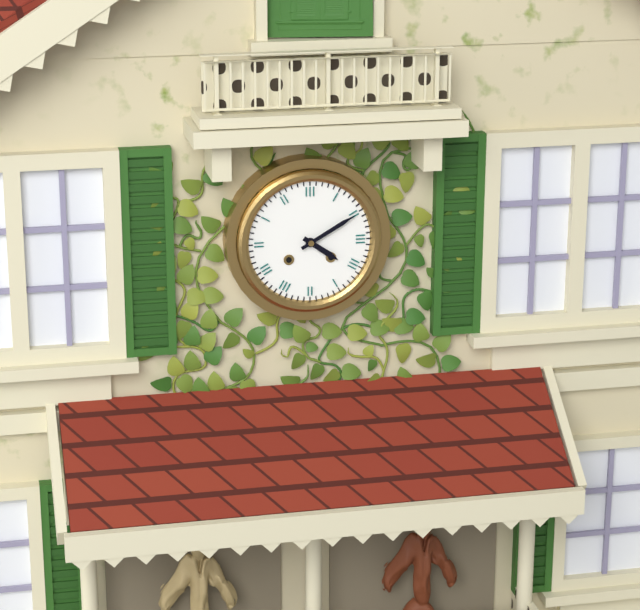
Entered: 4 h 10 min
